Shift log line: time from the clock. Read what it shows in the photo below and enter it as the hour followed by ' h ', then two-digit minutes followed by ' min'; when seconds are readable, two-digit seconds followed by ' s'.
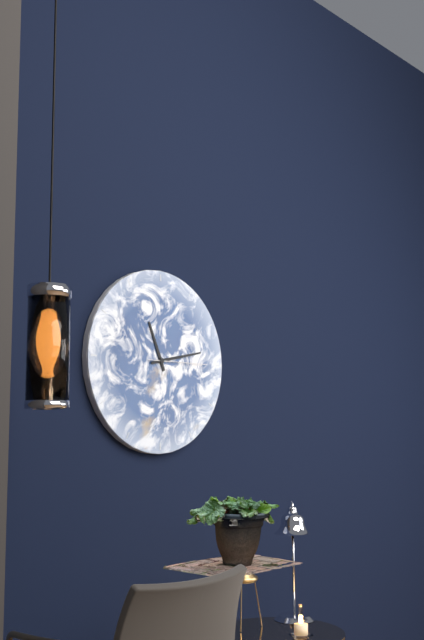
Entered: 11 h 13 min 15 s
